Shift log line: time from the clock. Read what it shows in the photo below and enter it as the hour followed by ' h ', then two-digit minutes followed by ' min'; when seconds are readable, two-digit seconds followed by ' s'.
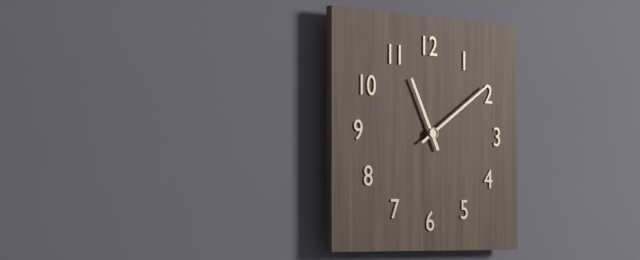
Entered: 11 h 09 min
